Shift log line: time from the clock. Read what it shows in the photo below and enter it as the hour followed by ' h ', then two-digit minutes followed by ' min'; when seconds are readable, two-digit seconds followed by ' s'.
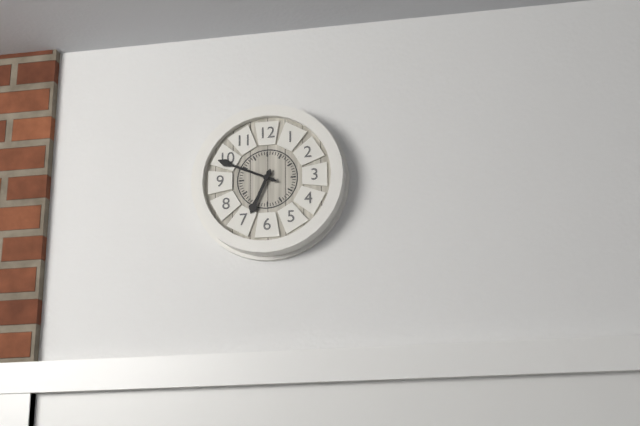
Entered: 6 h 49 min
